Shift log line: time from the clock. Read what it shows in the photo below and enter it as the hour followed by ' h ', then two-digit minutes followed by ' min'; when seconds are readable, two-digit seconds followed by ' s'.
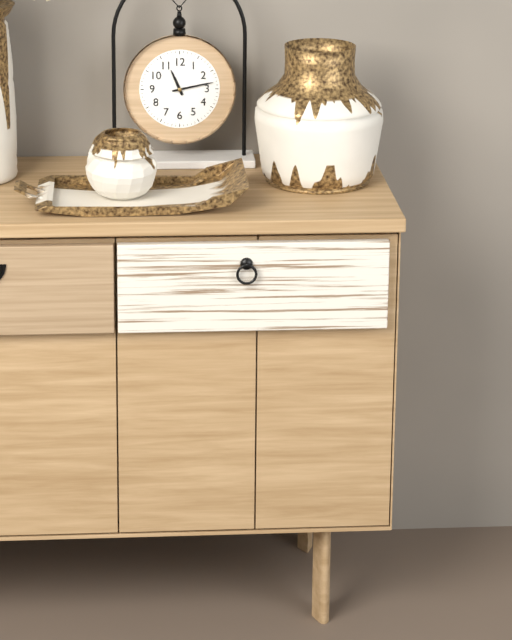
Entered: 11 h 13 min
